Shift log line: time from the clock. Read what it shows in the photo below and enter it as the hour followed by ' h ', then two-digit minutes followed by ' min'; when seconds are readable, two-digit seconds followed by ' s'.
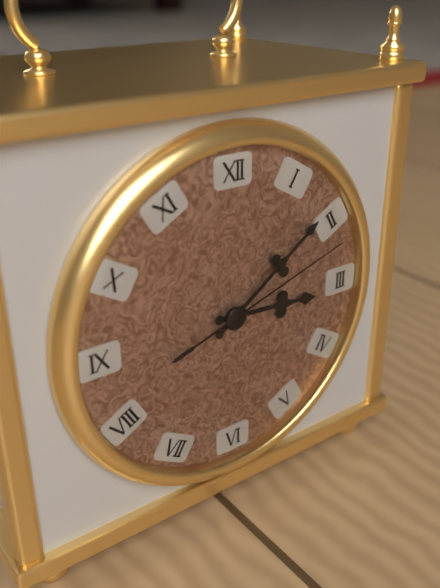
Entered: 3 h 09 min 12 s
